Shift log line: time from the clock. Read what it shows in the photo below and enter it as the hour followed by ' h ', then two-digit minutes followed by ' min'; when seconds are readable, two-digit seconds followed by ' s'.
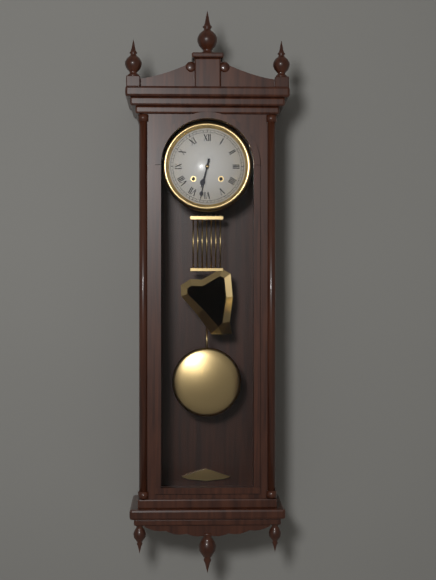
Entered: 6 h 32 min
